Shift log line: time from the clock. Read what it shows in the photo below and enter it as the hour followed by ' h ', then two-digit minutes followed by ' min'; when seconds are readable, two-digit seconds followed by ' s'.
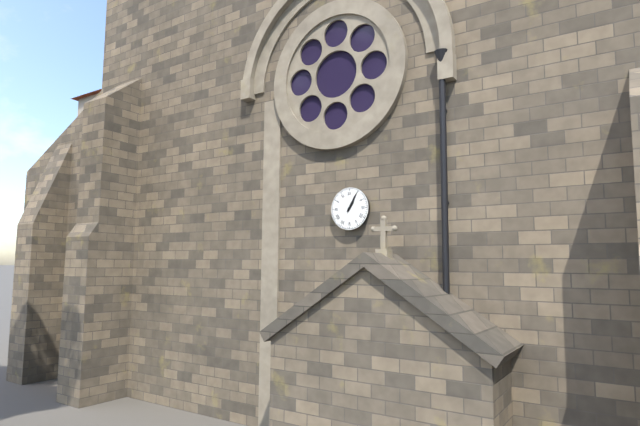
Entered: 1 h 05 min
